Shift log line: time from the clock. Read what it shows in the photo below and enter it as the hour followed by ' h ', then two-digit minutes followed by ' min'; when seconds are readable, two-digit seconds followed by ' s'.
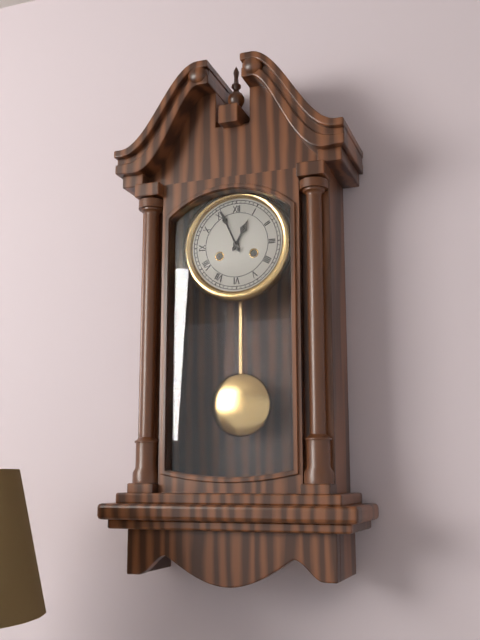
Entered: 12 h 56 min
